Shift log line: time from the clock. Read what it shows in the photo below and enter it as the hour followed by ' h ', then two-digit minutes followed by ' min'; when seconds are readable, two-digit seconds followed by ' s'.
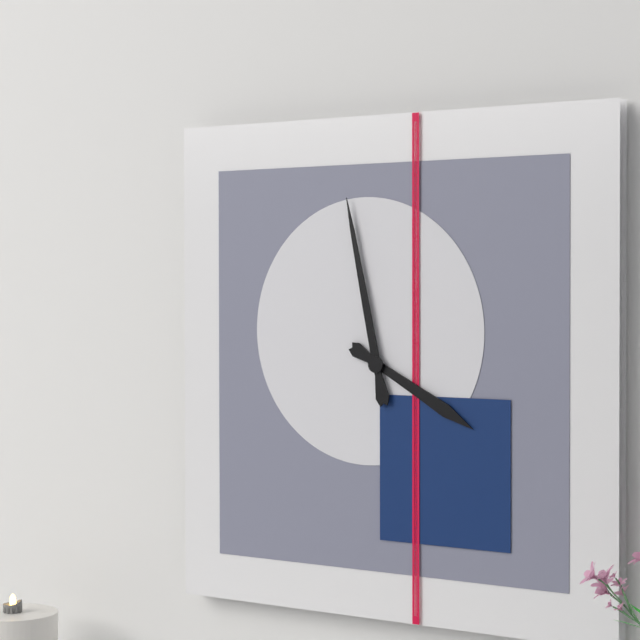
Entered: 3 h 58 min
